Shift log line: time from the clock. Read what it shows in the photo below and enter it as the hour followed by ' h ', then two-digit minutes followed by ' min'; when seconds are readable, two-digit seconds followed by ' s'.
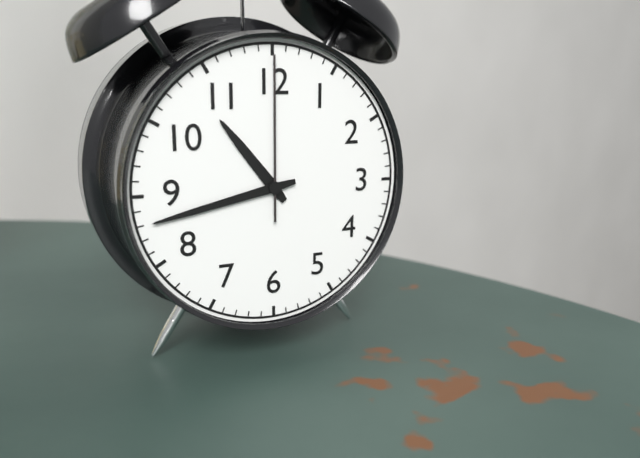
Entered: 10 h 43 min 00 s
